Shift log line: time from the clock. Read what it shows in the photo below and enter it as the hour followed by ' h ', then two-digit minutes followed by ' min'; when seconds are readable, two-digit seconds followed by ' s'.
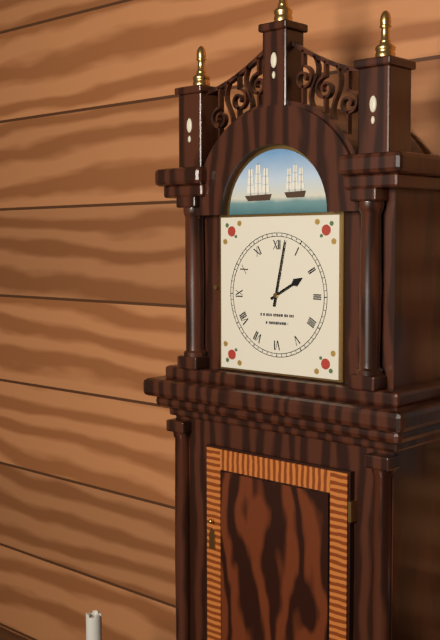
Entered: 2 h 02 min
